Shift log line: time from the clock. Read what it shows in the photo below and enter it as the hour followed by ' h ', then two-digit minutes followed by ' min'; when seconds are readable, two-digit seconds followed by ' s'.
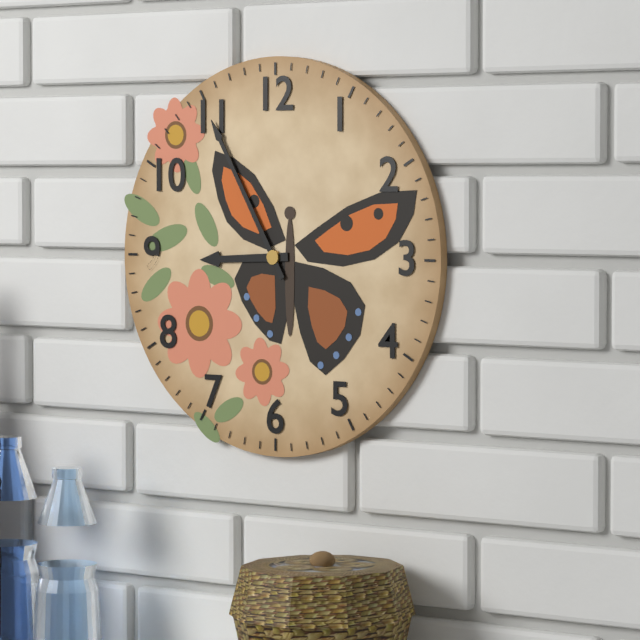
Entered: 8 h 55 min
